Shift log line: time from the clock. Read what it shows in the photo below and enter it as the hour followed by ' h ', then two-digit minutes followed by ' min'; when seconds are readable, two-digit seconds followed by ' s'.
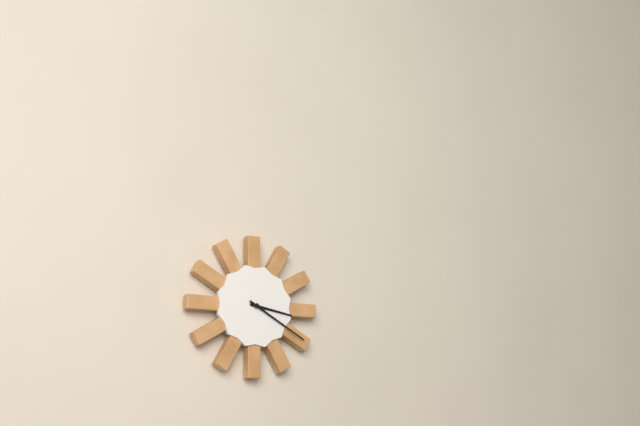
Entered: 3 h 20 min
